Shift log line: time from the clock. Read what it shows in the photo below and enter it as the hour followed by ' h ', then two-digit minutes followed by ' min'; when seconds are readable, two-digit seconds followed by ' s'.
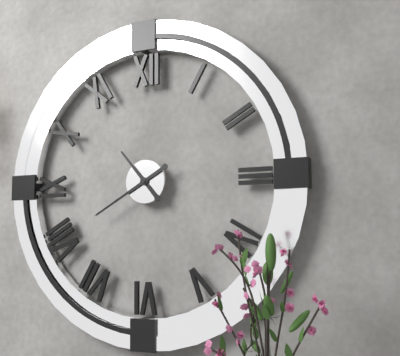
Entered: 10 h 40 min
